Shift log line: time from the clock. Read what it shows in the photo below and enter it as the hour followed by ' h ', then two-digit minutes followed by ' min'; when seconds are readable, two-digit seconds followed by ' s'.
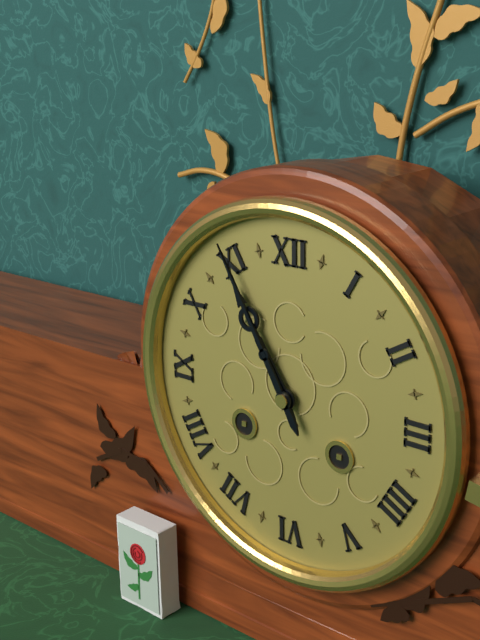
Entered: 10 h 55 min
